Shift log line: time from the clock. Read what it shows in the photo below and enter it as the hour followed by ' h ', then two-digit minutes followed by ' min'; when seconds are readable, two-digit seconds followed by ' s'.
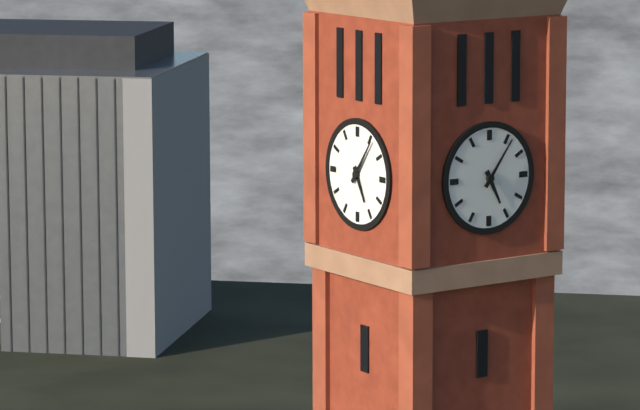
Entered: 5 h 06 min
